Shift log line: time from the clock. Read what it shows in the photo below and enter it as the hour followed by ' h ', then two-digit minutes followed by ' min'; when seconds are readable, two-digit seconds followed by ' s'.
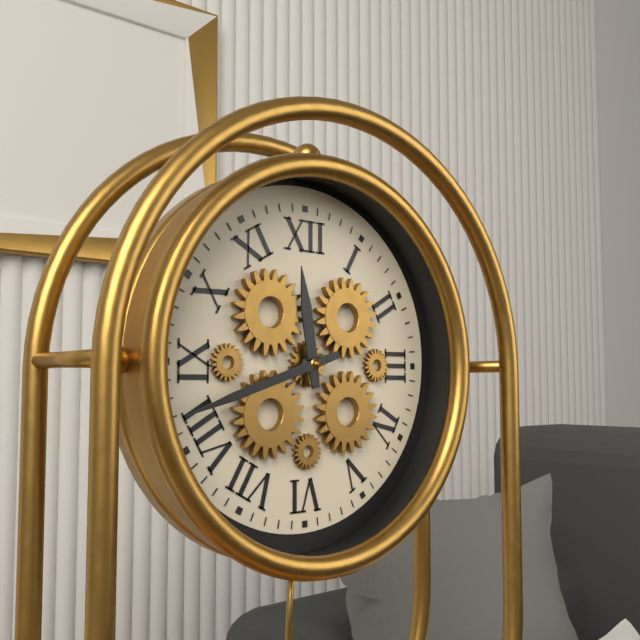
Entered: 11 h 42 min
